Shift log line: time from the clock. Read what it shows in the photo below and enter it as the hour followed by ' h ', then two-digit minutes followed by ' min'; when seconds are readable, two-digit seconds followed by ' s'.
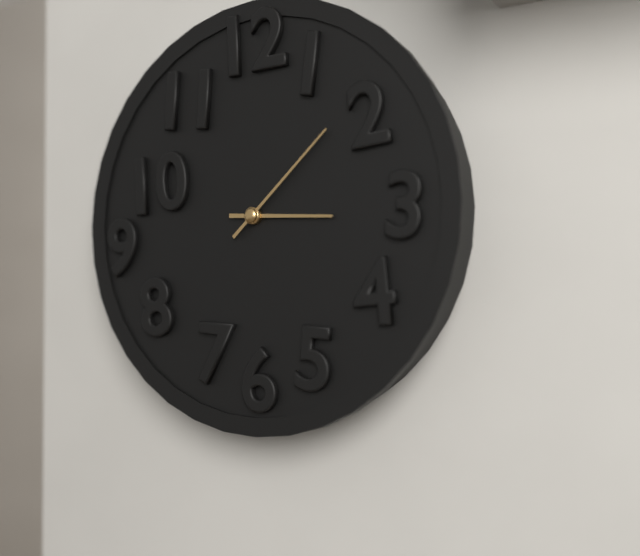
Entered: 3 h 08 min
